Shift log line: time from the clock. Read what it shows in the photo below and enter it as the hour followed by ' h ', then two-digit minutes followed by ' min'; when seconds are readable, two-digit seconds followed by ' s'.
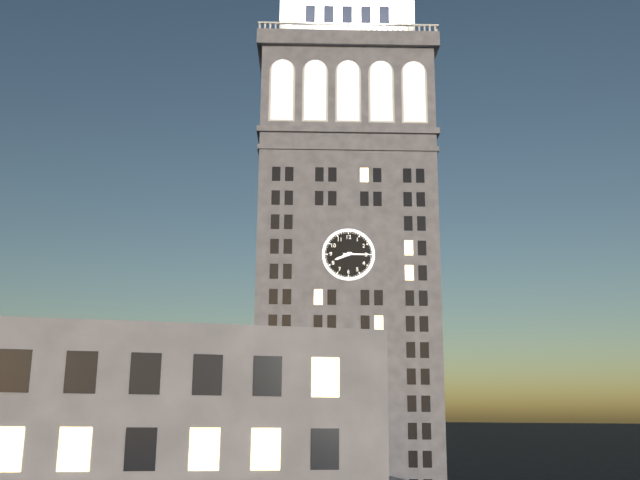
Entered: 8 h 15 min
